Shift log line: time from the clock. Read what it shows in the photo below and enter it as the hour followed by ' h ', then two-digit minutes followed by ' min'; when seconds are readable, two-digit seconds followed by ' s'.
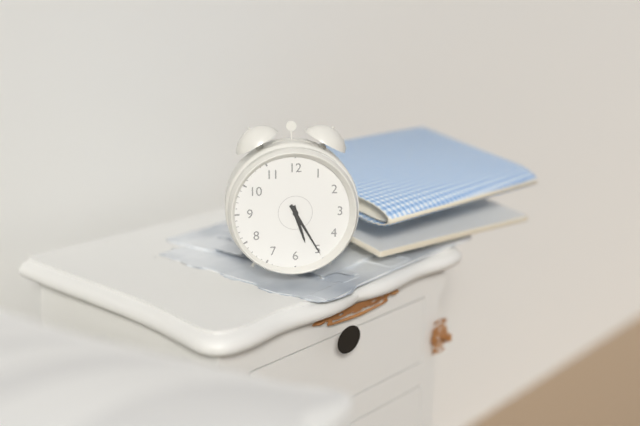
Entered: 5 h 25 min
